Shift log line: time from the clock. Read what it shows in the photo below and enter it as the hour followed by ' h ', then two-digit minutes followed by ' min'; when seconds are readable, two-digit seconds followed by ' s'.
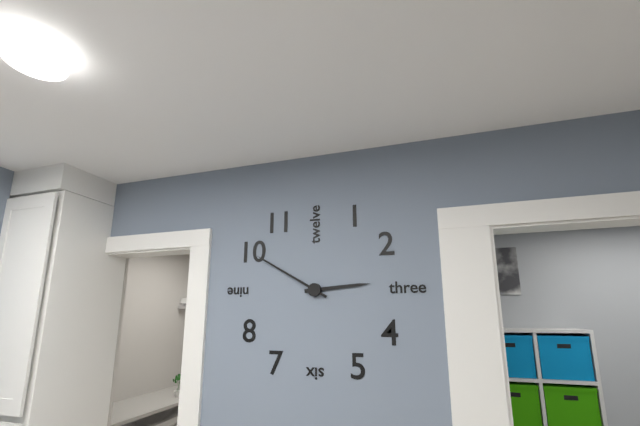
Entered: 2 h 50 min
